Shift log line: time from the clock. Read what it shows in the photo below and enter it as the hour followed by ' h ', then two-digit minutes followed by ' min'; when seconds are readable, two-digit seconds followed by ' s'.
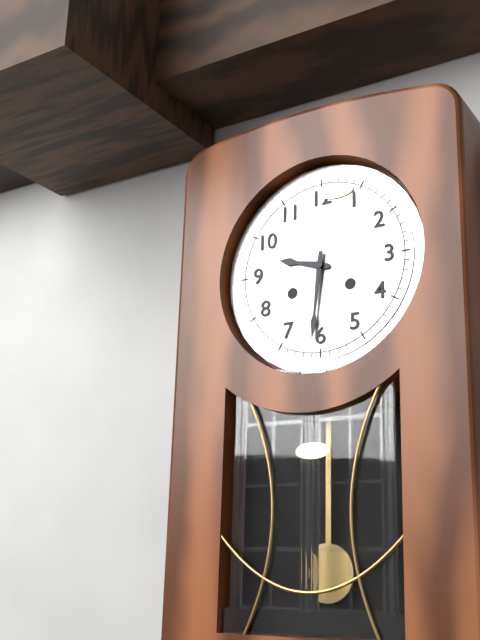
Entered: 9 h 31 min
